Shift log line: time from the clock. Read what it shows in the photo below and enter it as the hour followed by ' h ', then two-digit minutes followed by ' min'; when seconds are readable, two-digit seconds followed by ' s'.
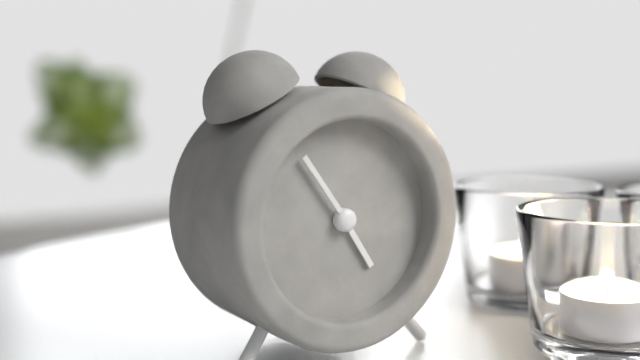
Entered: 4 h 54 min
